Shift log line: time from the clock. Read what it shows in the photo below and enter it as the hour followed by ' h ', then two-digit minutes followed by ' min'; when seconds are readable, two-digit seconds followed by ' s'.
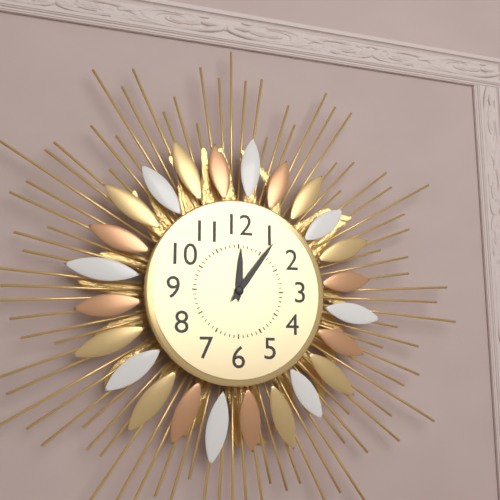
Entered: 12 h 06 min
